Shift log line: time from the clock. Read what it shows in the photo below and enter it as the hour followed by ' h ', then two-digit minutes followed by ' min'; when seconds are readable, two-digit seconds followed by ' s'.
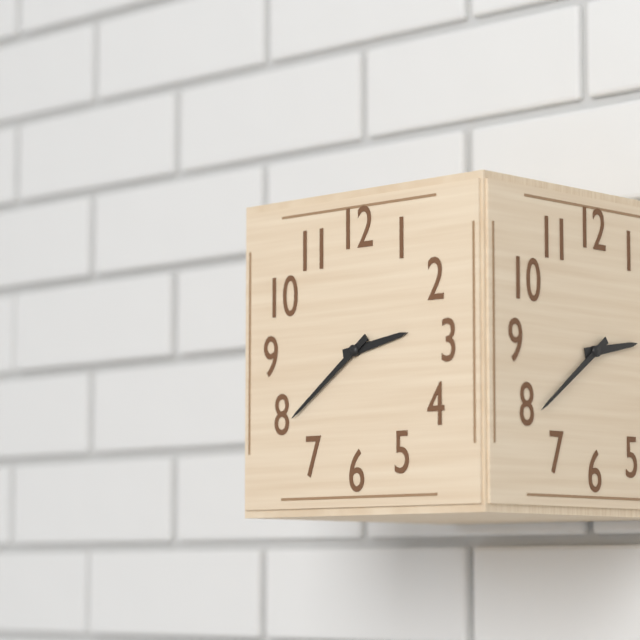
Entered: 2 h 39 min
